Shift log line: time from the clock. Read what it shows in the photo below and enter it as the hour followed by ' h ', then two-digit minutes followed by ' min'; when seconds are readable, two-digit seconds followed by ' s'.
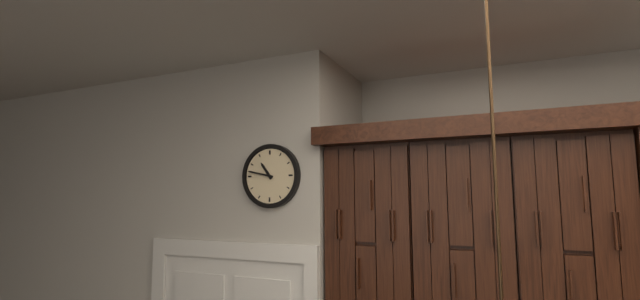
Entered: 10 h 47 min
